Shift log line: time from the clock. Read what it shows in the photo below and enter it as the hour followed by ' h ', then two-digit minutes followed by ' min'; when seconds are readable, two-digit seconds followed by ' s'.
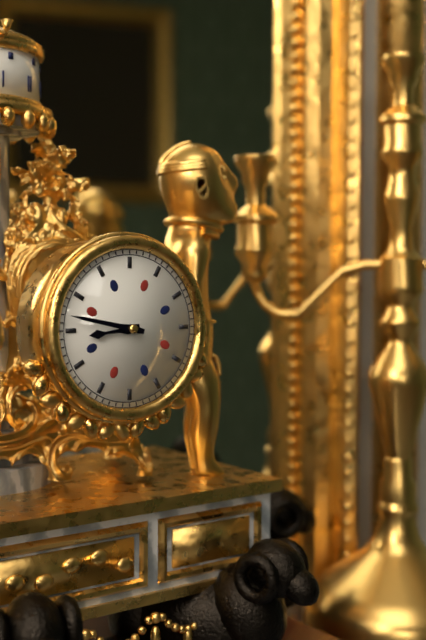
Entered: 8 h 47 min
